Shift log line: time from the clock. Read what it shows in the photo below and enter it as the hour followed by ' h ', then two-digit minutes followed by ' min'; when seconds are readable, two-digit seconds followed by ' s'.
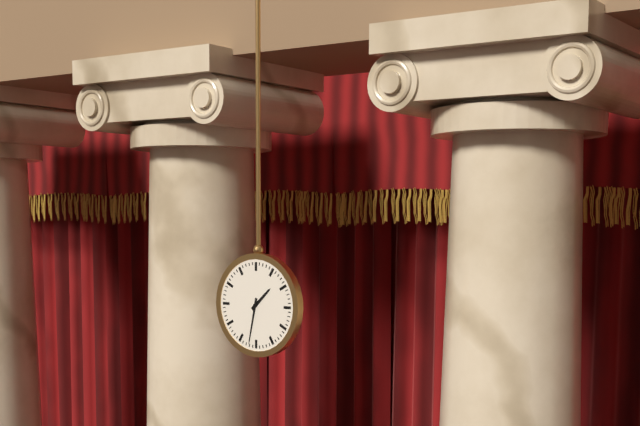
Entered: 1 h 32 min
